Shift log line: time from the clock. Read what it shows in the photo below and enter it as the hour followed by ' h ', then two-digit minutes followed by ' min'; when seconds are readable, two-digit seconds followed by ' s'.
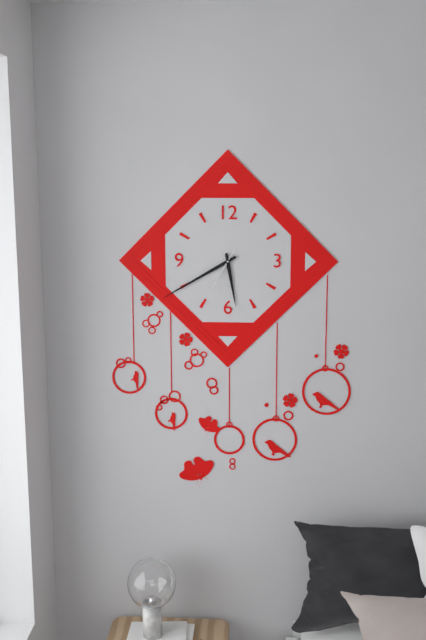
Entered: 5 h 40 min
